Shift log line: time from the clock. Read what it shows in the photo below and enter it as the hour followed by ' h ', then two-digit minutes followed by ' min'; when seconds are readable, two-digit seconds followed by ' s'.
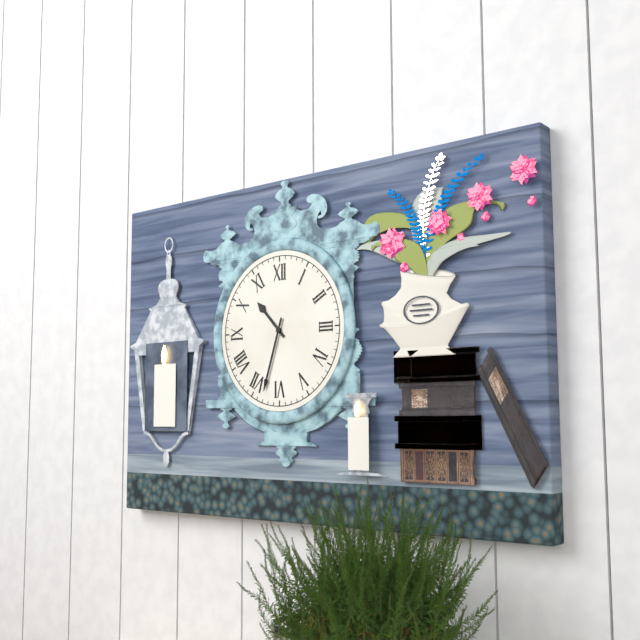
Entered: 10 h 33 min
